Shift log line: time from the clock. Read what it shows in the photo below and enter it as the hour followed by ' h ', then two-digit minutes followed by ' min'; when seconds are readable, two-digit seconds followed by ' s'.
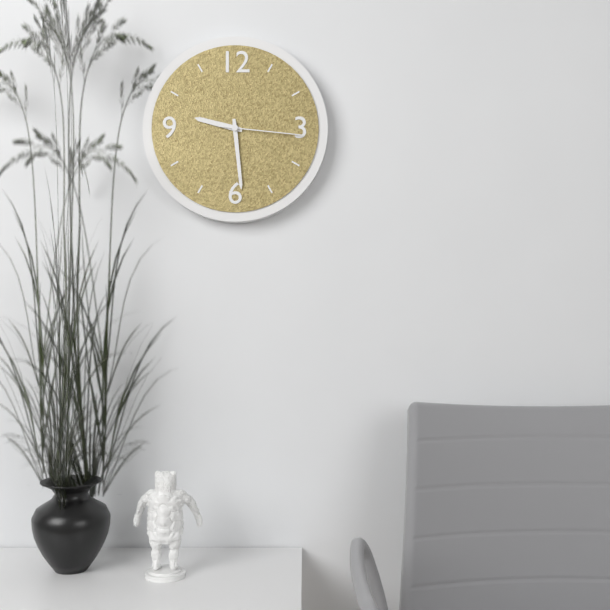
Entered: 9 h 29 min 16 s
